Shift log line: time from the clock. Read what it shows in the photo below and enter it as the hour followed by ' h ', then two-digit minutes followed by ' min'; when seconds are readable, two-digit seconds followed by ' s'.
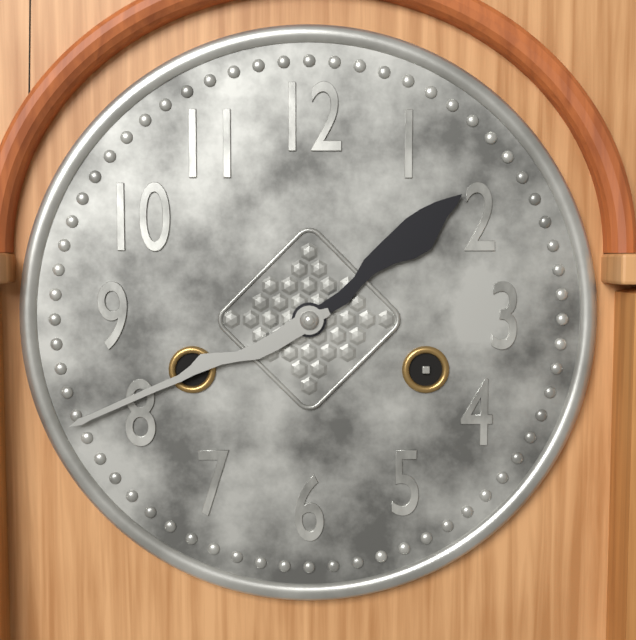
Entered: 1 h 41 min
